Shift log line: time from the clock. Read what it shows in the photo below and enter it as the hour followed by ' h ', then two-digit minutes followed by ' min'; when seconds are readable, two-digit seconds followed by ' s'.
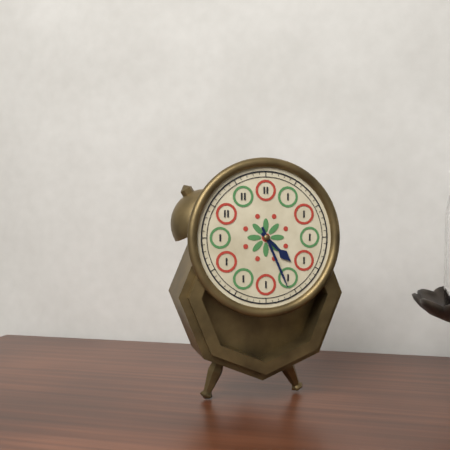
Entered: 4 h 26 min
